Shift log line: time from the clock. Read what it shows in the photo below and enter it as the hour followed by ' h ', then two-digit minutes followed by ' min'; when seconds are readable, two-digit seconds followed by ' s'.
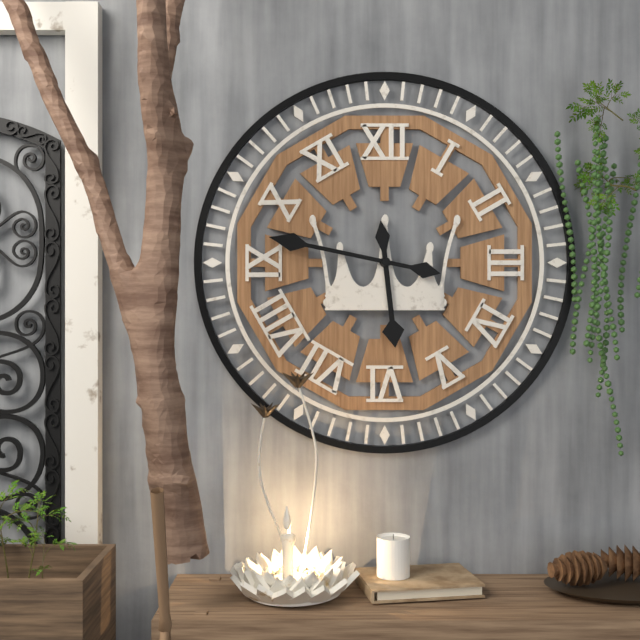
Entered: 5 h 47 min
